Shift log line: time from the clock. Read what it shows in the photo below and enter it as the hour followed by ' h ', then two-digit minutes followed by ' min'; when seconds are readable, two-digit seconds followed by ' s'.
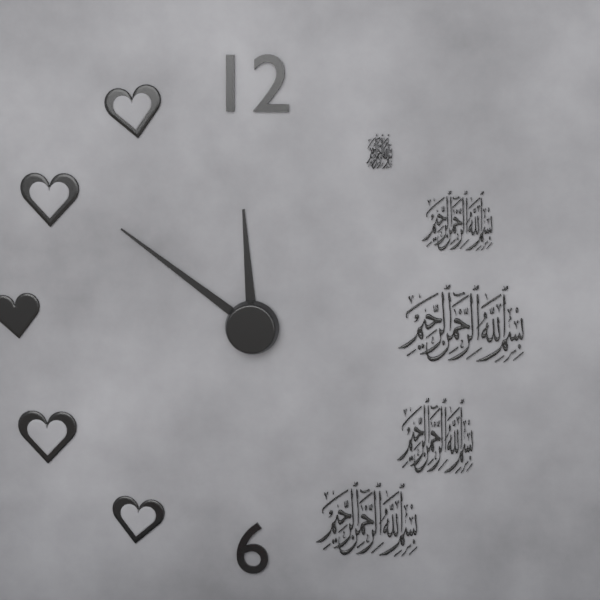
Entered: 11 h 51 min
